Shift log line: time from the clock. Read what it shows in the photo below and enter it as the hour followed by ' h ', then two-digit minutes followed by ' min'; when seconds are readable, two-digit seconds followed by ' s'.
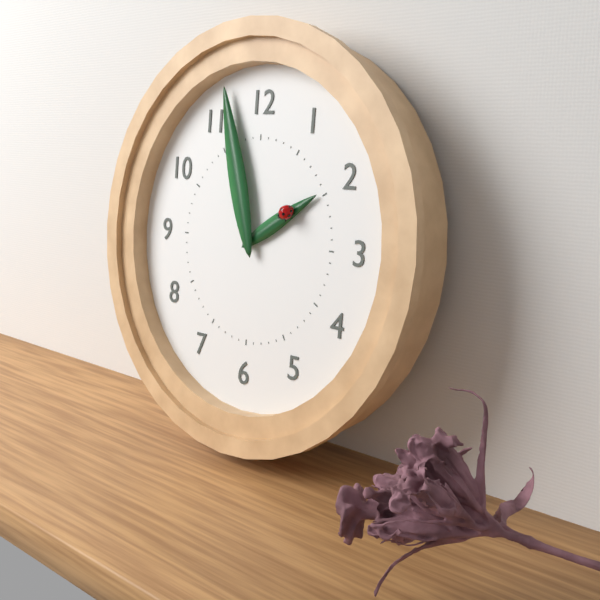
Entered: 1 h 57 min
